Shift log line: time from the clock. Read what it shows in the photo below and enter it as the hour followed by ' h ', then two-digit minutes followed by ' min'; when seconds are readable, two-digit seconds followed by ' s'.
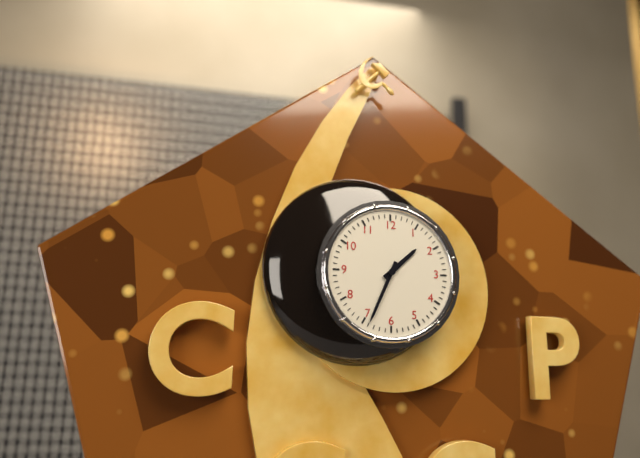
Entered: 1 h 34 min
